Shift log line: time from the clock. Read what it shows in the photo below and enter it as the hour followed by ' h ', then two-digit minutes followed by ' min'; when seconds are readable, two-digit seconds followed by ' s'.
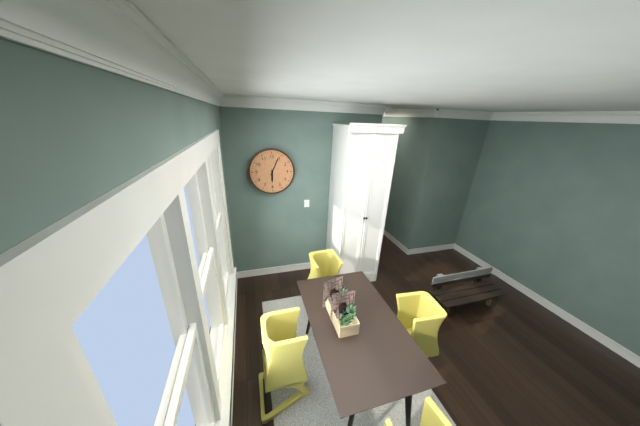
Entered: 6 h 04 min
